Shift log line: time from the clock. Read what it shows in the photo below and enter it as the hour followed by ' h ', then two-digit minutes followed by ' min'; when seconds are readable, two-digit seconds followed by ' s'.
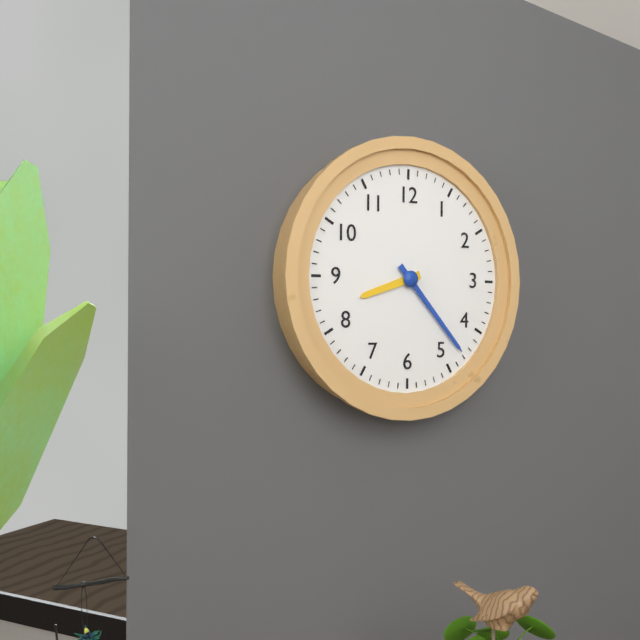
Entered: 8 h 23 min
